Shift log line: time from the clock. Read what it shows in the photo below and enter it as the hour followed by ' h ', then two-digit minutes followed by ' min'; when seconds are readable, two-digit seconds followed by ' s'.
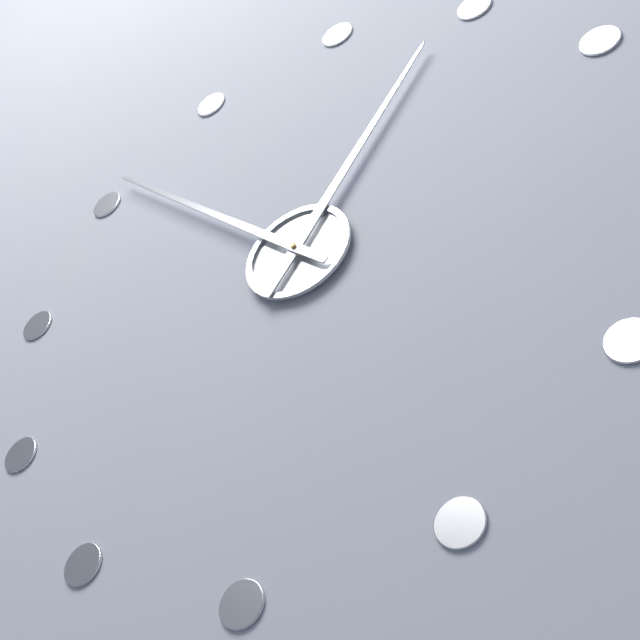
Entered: 12 h 51 min
